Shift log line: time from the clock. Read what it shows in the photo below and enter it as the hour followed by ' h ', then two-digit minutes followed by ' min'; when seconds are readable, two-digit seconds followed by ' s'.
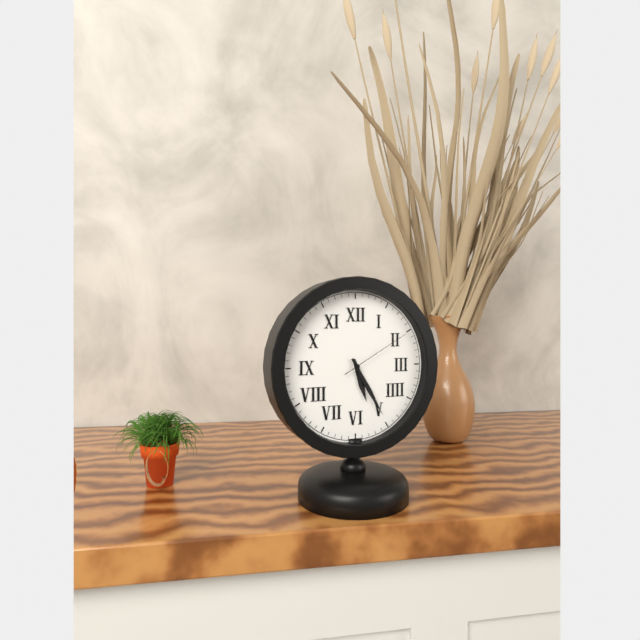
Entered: 5 h 25 min 10 s
